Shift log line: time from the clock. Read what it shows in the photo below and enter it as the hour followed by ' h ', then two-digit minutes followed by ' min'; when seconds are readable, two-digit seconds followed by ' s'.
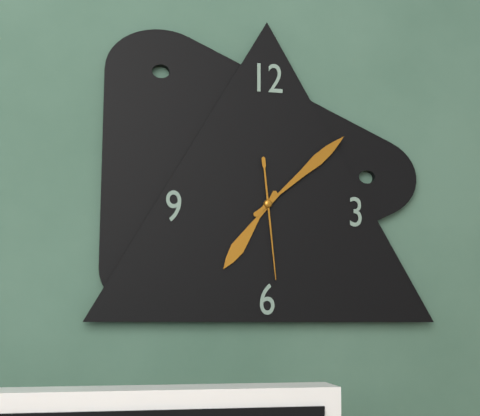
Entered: 7 h 08 min 29 s
